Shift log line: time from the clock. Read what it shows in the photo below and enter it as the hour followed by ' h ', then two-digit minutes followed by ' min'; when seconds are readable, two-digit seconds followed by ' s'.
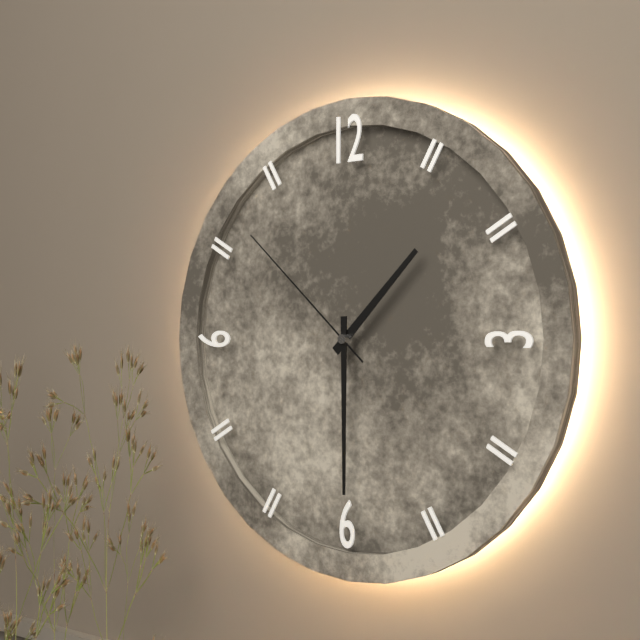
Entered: 1 h 30 min 52 s
